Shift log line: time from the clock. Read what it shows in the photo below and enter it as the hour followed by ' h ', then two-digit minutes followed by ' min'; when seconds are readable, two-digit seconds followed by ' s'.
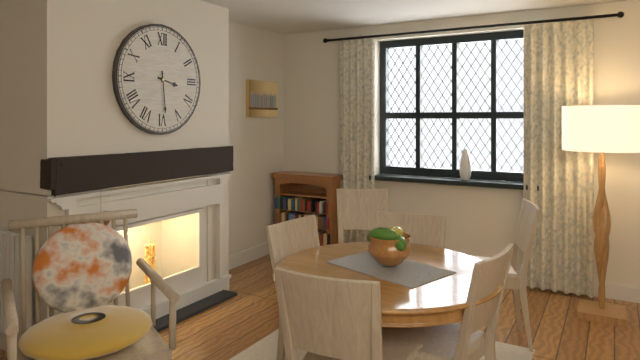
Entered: 3 h 29 min
